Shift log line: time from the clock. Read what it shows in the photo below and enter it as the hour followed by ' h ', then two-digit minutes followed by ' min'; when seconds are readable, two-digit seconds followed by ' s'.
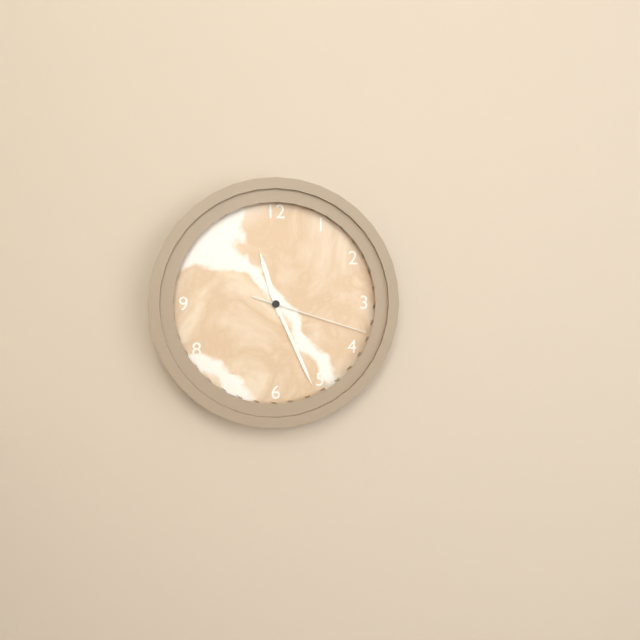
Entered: 11 h 26 min 18 s
